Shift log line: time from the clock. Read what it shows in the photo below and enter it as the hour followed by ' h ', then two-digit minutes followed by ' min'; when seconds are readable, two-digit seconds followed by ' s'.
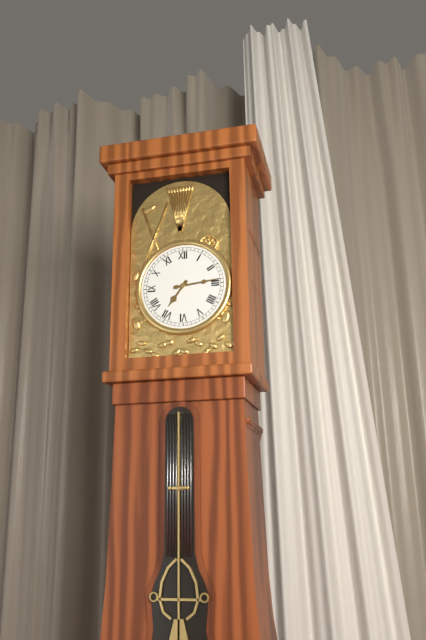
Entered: 7 h 14 min
